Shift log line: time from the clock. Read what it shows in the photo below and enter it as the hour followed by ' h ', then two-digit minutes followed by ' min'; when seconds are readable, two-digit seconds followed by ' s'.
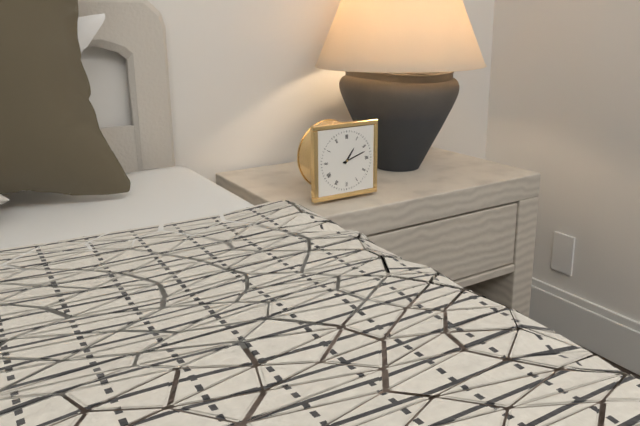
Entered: 1 h 12 min
